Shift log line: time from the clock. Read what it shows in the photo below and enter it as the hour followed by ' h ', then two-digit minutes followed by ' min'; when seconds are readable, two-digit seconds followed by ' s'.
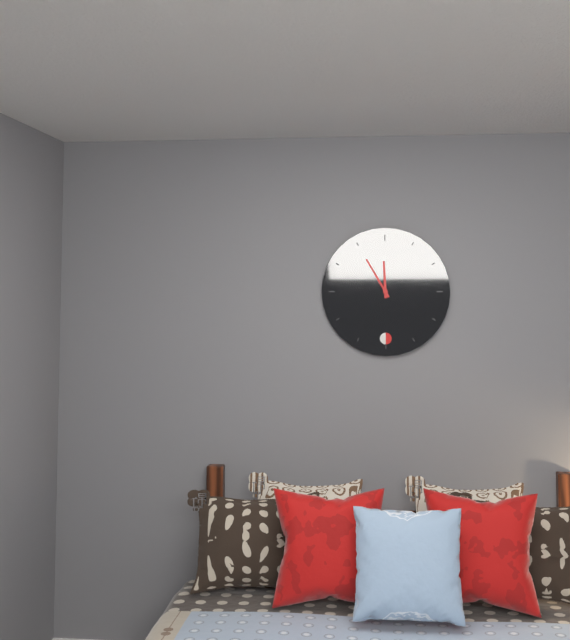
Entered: 11 h 55 min
